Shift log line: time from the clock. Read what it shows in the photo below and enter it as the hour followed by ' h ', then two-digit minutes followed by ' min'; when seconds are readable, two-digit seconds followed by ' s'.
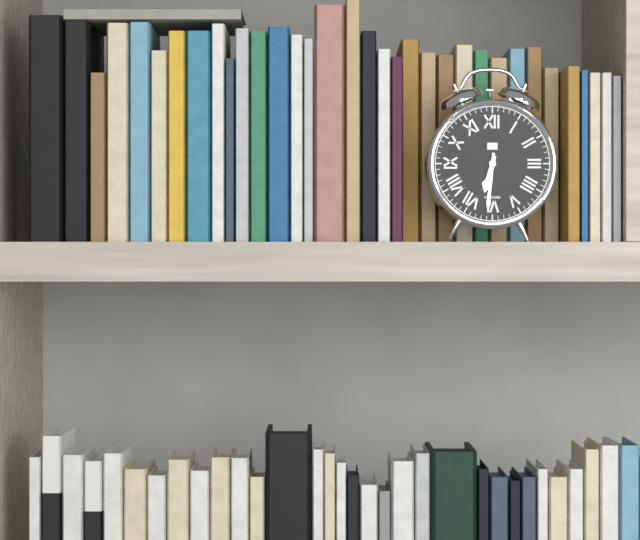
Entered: 6 h 31 min
